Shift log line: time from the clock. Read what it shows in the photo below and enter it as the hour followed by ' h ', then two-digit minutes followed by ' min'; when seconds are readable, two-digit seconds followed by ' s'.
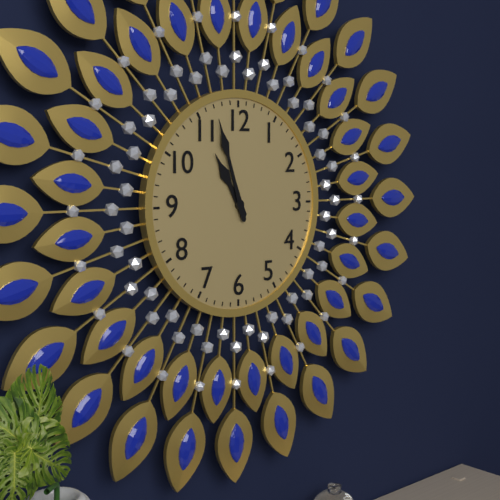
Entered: 10 h 57 min
